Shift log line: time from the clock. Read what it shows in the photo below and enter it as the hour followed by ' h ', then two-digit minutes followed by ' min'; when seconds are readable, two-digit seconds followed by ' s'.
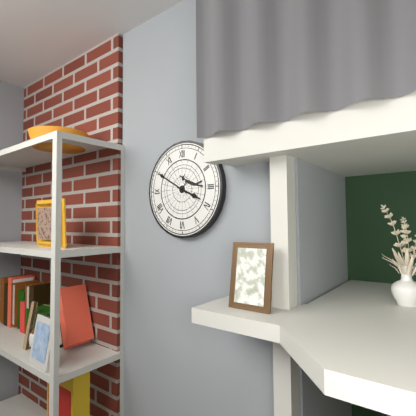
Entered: 3 h 50 min
